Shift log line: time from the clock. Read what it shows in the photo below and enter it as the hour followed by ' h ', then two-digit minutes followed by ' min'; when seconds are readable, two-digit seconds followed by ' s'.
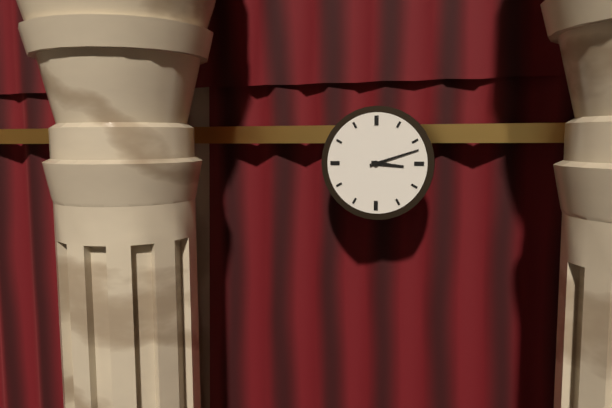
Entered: 3 h 12 min
